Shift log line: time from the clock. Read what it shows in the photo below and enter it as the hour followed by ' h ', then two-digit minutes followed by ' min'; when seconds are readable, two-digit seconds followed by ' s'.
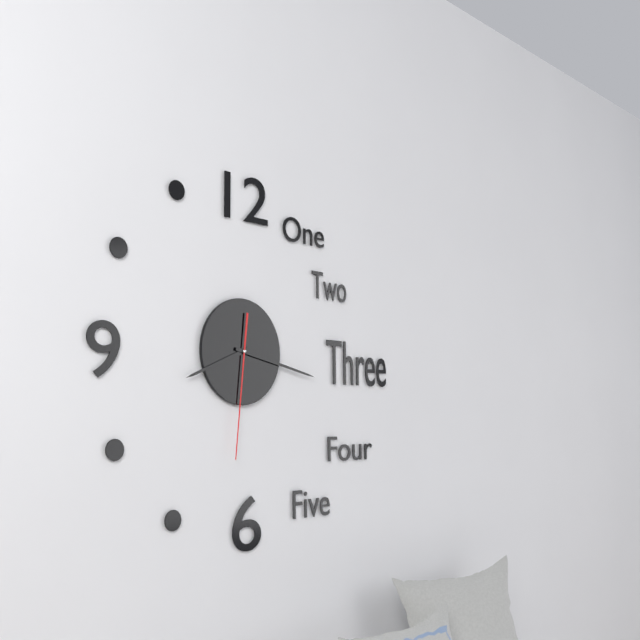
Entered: 8 h 17 min 31 s
